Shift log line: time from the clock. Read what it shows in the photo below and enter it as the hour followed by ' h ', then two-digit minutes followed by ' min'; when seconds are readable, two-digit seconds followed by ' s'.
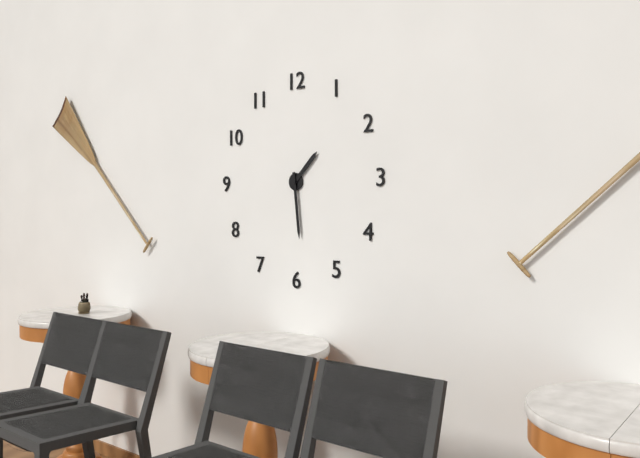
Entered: 1 h 29 min
